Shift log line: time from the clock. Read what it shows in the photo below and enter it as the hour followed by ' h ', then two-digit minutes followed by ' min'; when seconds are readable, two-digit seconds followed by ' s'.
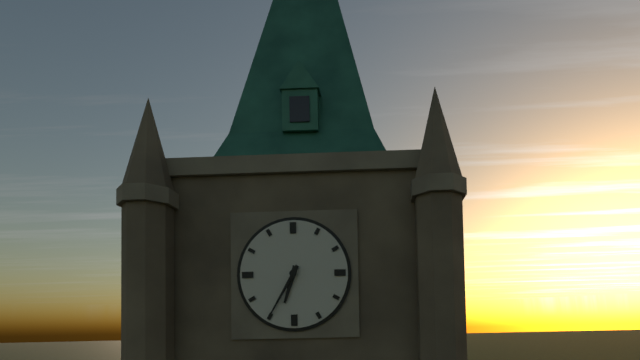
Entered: 6 h 35 min
